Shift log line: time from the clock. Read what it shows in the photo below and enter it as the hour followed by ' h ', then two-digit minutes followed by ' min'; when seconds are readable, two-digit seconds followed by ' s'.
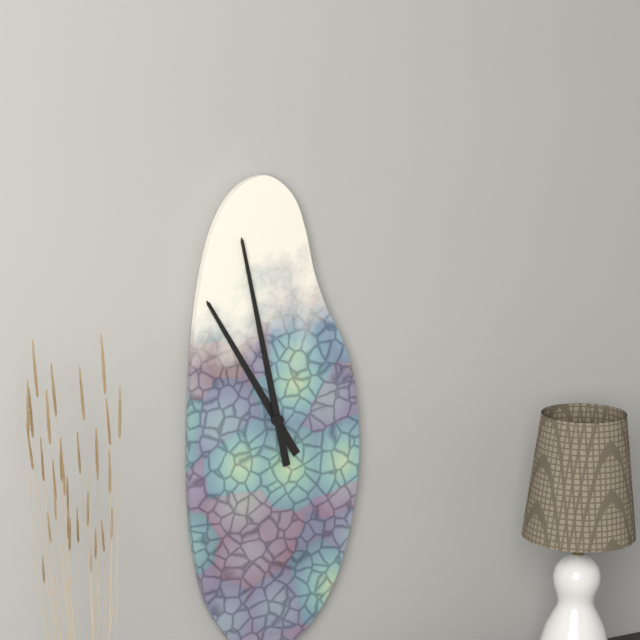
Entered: 10 h 58 min
